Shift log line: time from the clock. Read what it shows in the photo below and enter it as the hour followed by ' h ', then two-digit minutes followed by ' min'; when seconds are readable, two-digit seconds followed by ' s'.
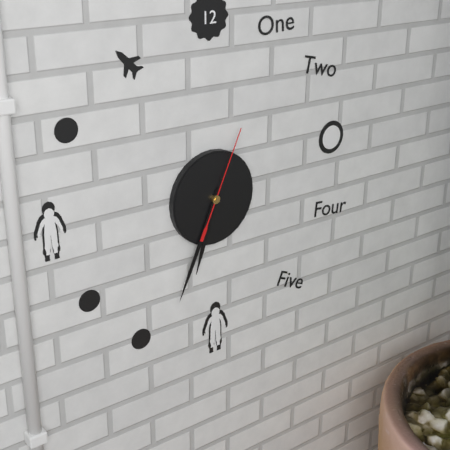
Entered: 6 h 34 min 04 s
